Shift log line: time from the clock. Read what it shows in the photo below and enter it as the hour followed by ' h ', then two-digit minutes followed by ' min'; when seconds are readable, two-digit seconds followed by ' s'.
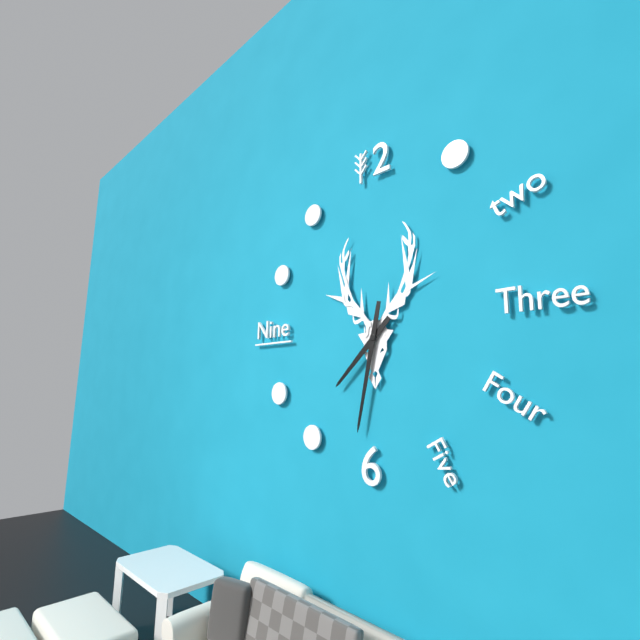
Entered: 7 h 32 min
